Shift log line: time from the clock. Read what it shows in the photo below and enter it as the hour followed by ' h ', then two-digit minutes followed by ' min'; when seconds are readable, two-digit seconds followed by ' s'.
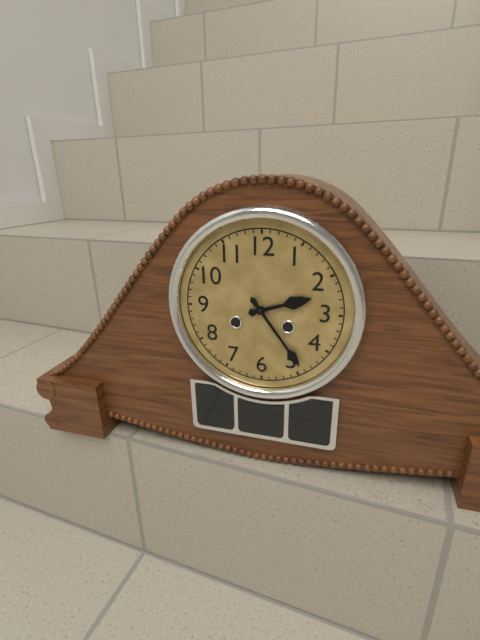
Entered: 2 h 24 min
